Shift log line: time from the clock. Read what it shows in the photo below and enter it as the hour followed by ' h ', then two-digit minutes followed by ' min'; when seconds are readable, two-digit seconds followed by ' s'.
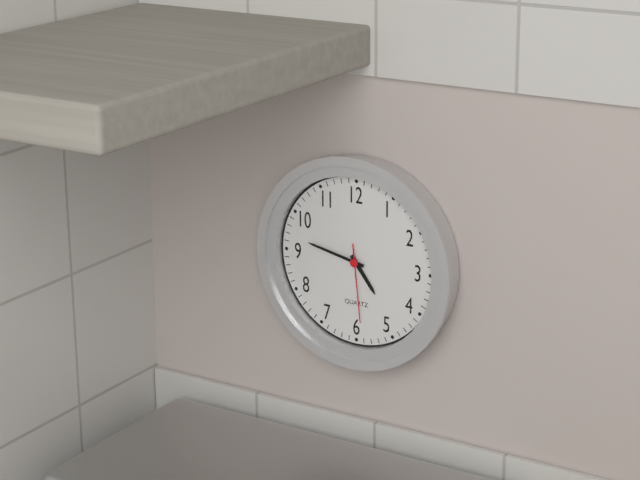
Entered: 4 h 47 min 29 s
